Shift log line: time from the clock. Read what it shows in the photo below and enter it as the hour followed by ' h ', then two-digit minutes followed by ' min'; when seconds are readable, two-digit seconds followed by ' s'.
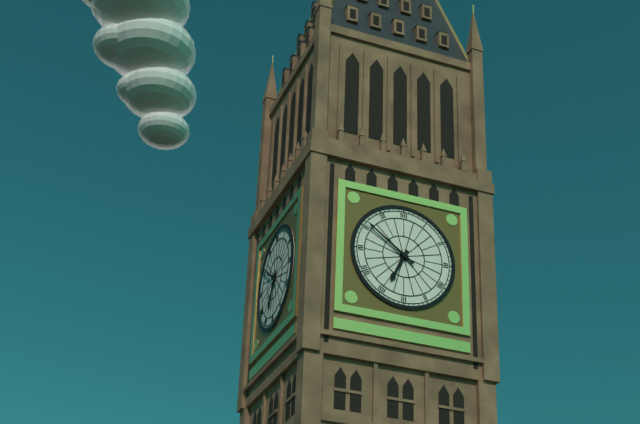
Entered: 6 h 51 min
